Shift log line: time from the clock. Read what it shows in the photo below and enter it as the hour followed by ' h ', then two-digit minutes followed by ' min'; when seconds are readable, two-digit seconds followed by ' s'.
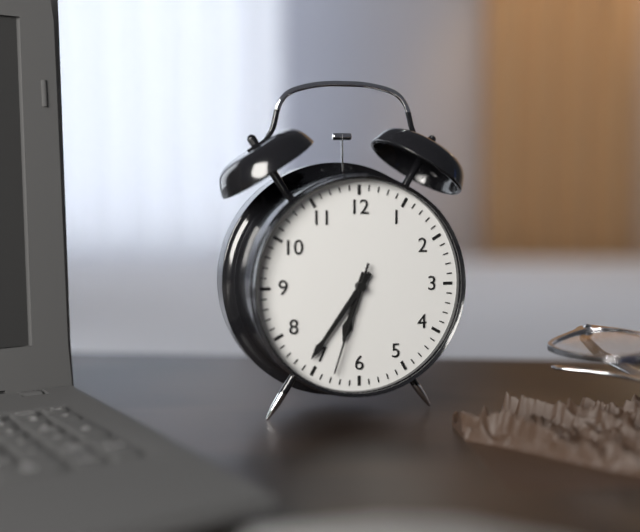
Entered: 6 h 36 min 33 s
